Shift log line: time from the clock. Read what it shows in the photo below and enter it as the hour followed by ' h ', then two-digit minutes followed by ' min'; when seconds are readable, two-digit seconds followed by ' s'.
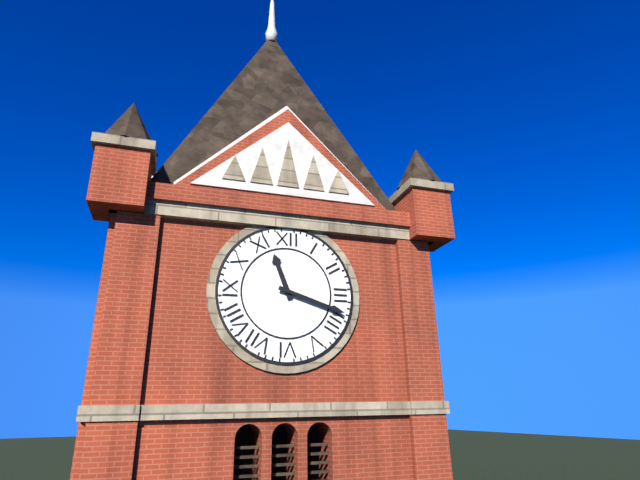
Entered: 11 h 18 min
